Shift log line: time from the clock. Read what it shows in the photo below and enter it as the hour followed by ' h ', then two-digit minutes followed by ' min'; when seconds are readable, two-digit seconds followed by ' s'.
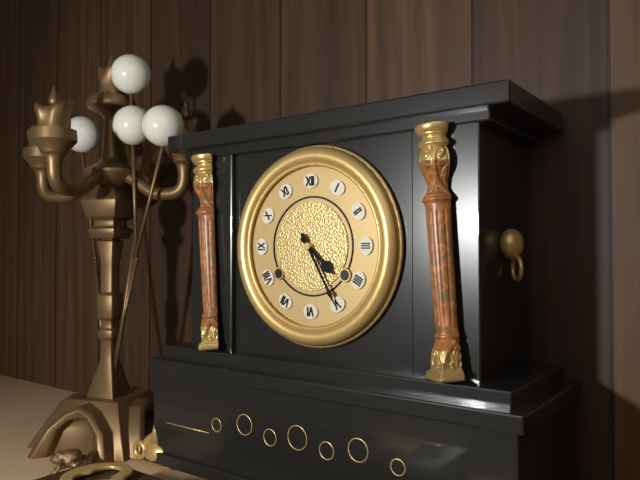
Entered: 4 h 25 min
